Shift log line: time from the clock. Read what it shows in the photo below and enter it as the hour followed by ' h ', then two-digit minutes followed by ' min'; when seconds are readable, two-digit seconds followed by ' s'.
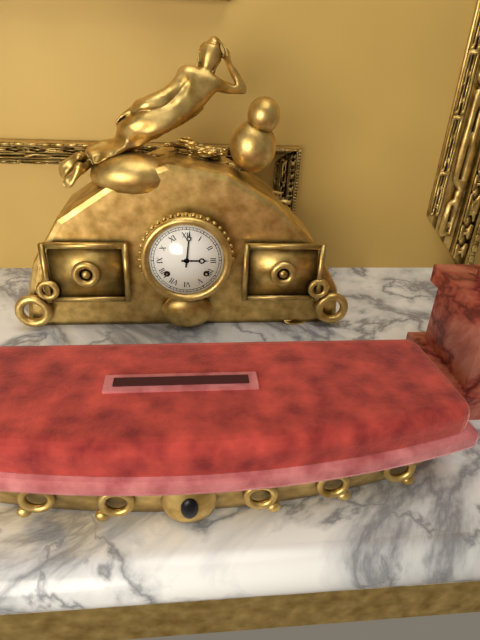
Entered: 3 h 01 min
